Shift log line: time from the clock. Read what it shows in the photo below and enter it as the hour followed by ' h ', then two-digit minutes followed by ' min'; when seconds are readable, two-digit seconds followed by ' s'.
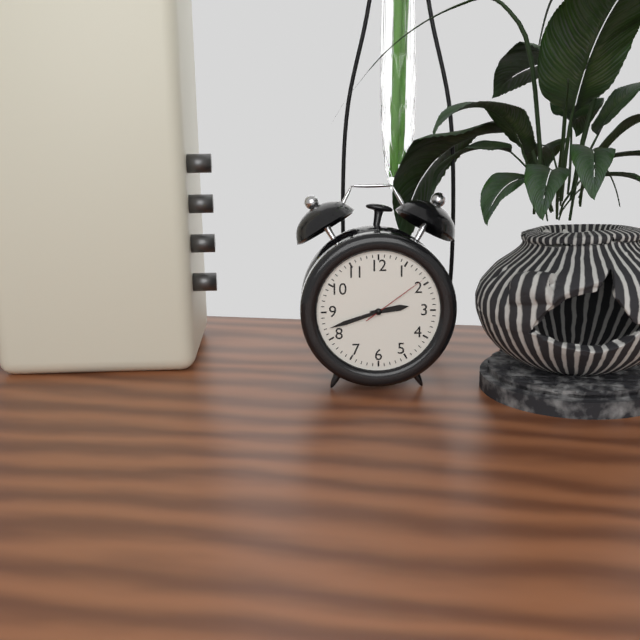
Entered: 2 h 42 min 09 s
